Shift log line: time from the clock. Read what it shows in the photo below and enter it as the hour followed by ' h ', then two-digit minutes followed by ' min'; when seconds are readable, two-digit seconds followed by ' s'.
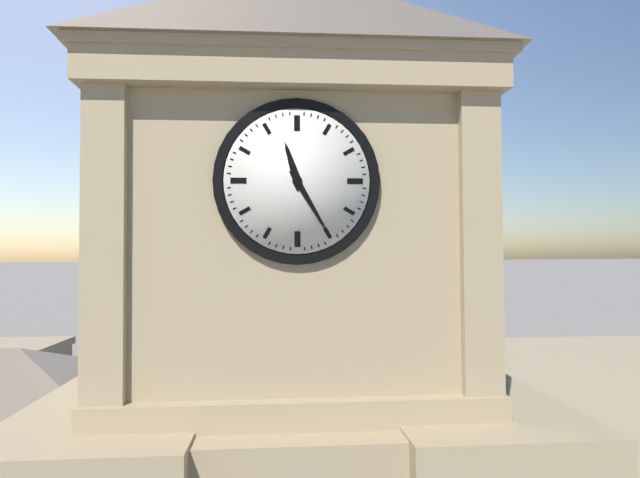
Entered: 11 h 25 min
